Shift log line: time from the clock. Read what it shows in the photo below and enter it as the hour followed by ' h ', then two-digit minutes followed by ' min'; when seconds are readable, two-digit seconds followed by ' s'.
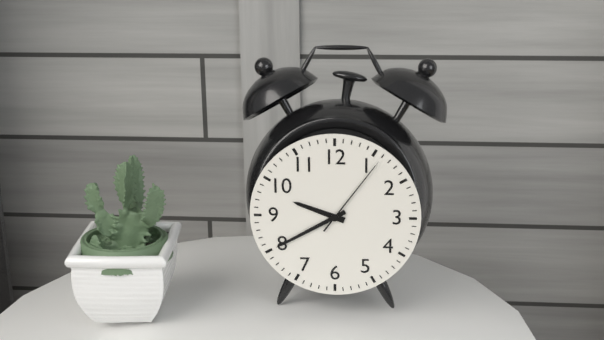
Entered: 9 h 40 min 06 s
